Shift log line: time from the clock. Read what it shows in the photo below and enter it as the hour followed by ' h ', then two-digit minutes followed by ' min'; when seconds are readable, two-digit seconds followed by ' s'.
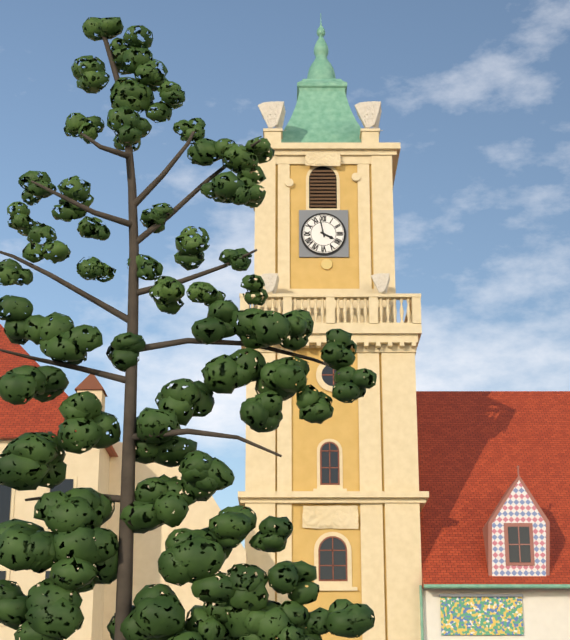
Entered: 3 h 58 min
